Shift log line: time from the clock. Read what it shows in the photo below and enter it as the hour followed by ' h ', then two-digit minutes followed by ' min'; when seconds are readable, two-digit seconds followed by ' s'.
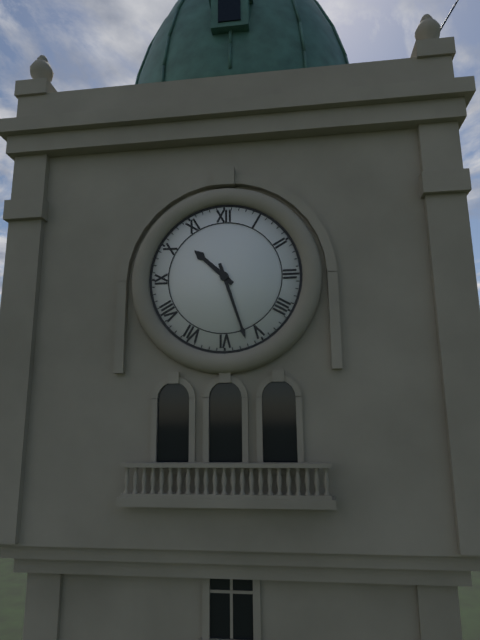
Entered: 10 h 27 min
